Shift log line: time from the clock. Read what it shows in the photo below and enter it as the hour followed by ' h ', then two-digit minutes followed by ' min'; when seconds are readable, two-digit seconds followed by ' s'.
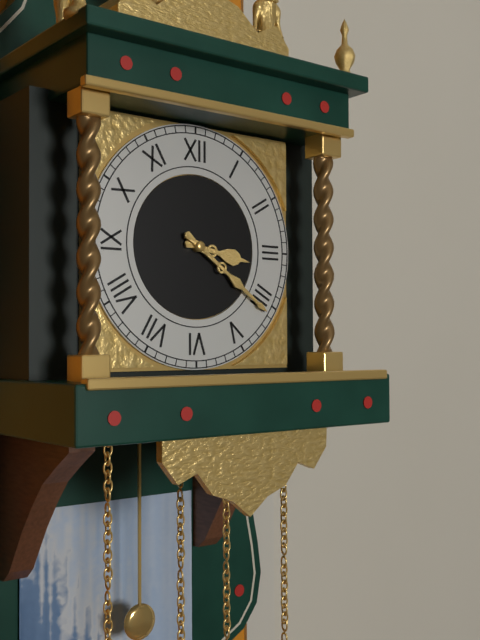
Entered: 3 h 21 min
